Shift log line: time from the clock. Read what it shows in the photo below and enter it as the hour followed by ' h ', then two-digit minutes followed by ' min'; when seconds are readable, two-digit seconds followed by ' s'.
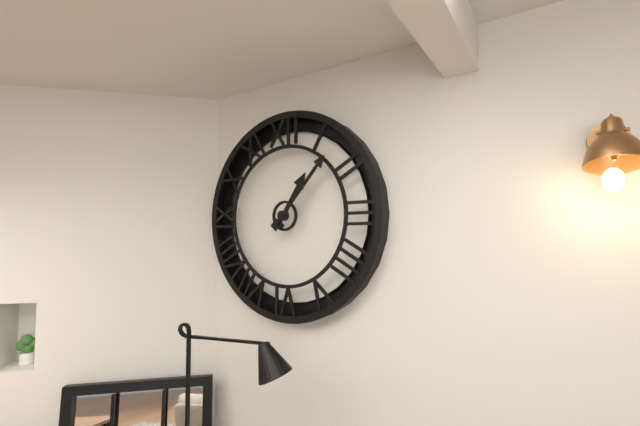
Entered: 1 h 07 min
